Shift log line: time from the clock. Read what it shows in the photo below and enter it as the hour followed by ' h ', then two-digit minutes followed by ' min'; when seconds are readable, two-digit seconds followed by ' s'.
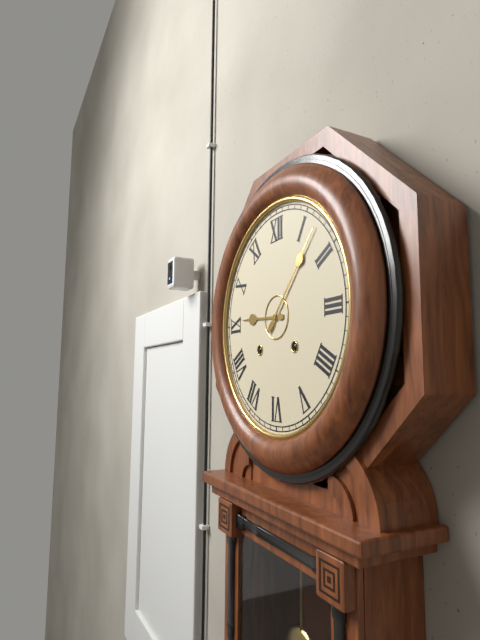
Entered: 9 h 07 min
